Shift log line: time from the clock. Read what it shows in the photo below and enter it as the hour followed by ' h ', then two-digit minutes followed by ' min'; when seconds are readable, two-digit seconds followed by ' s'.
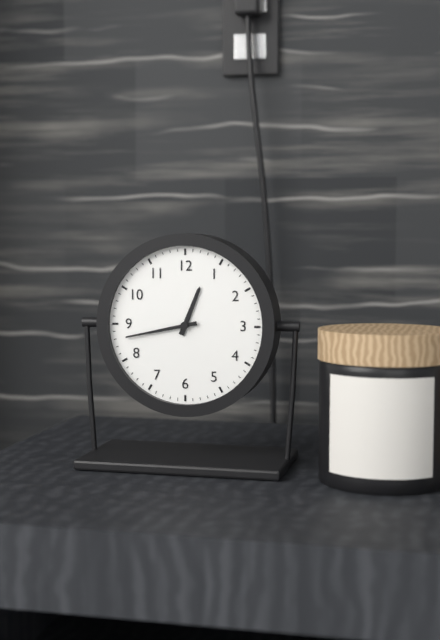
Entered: 12 h 43 min
